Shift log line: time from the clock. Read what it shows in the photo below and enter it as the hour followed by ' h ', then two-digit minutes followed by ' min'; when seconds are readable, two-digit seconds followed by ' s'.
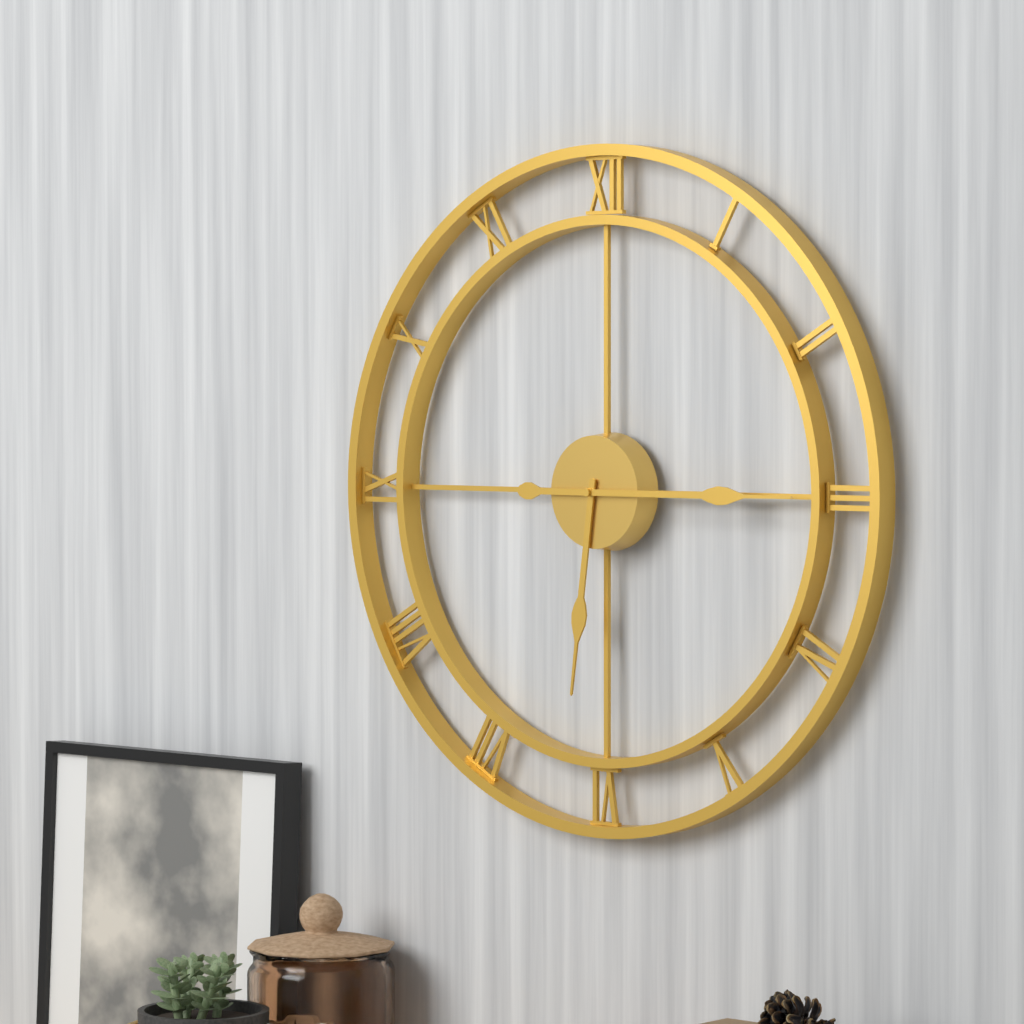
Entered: 6 h 15 min
